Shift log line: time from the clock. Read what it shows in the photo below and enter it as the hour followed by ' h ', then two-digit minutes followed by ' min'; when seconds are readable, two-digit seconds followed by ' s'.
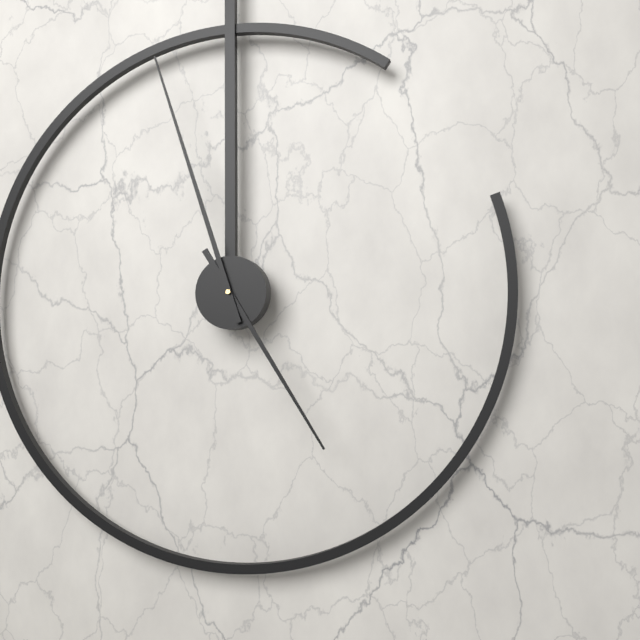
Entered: 4 h 57 min
